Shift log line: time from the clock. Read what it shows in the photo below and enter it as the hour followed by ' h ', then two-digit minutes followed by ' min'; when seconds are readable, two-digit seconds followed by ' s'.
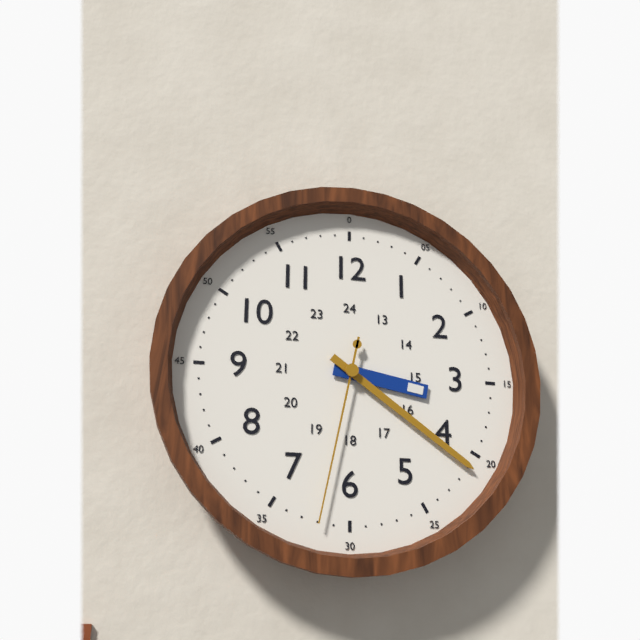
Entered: 3 h 21 min 32 s
